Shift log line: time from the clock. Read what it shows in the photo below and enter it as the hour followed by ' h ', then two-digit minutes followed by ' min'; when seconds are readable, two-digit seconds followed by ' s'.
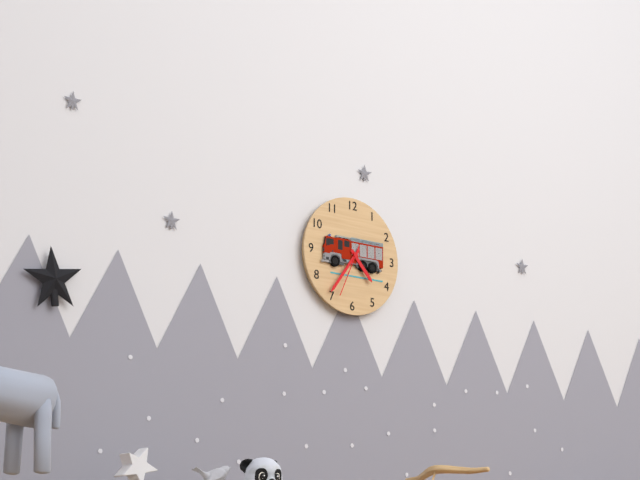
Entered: 4 h 36 min 34 s
